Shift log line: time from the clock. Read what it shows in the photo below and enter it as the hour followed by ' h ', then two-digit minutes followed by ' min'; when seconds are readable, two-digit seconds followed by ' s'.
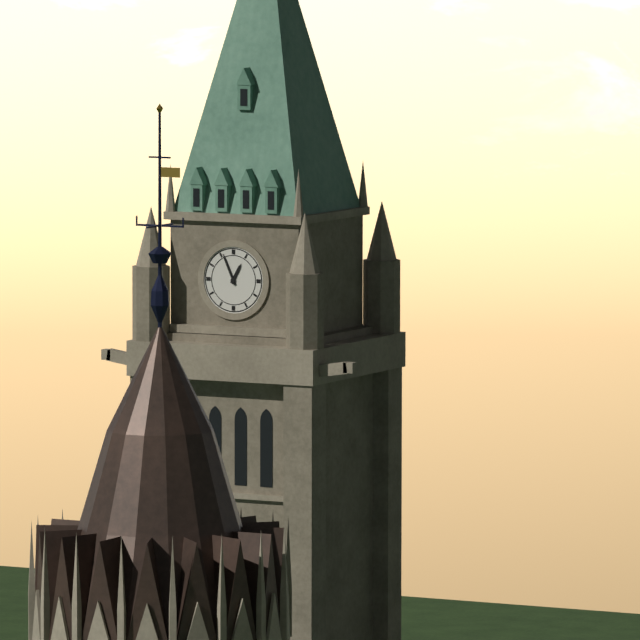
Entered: 12 h 56 min
